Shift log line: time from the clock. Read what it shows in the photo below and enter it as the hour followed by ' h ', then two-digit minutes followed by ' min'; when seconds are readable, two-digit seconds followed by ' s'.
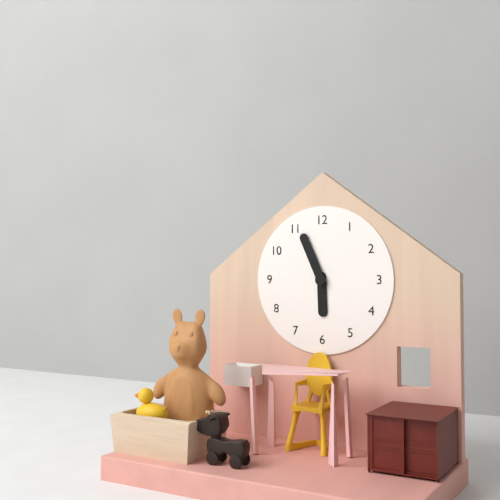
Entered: 5 h 56 min
